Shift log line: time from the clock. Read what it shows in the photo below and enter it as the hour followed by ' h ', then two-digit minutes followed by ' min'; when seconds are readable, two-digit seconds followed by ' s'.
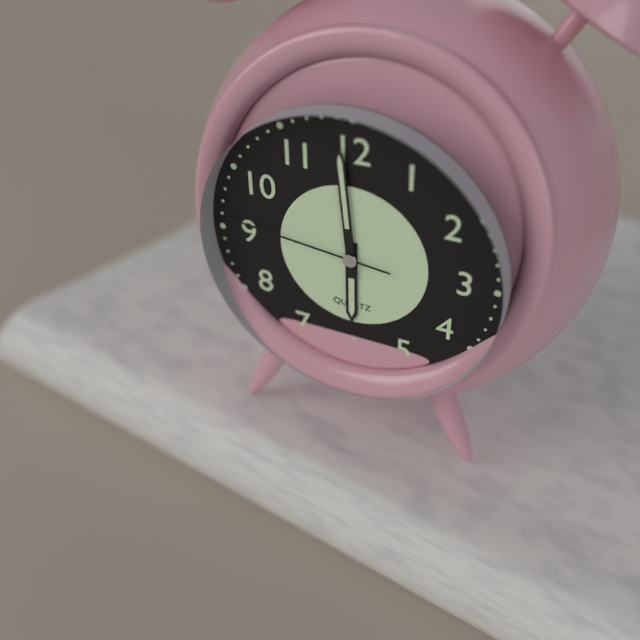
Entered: 5 h 59 min 46 s
